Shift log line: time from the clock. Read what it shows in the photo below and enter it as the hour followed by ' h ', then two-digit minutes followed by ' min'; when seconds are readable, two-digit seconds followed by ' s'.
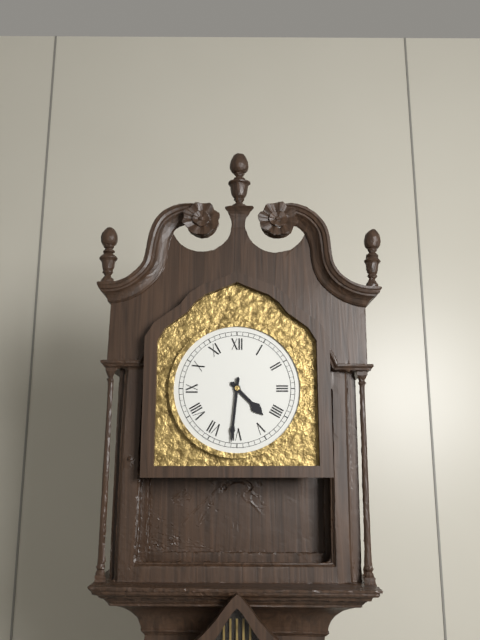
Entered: 4 h 31 min
